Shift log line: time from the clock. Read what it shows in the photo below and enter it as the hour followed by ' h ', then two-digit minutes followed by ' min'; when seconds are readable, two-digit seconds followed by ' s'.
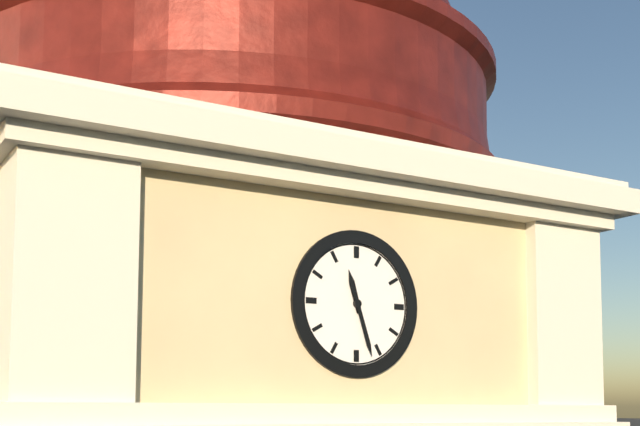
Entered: 11 h 27 min
